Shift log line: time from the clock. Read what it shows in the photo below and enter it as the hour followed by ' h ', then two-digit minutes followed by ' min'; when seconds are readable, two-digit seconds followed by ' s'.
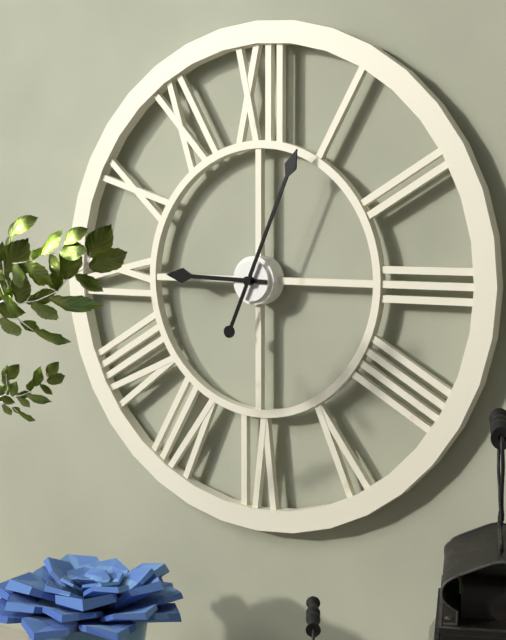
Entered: 9 h 04 min
